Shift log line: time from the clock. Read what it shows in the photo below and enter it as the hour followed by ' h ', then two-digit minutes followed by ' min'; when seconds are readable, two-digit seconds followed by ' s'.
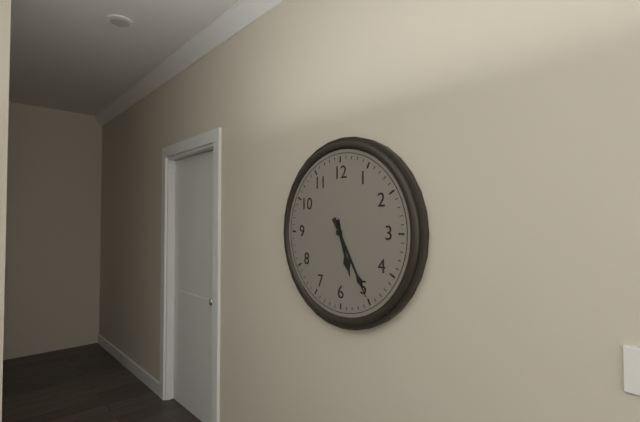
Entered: 5 h 25 min
